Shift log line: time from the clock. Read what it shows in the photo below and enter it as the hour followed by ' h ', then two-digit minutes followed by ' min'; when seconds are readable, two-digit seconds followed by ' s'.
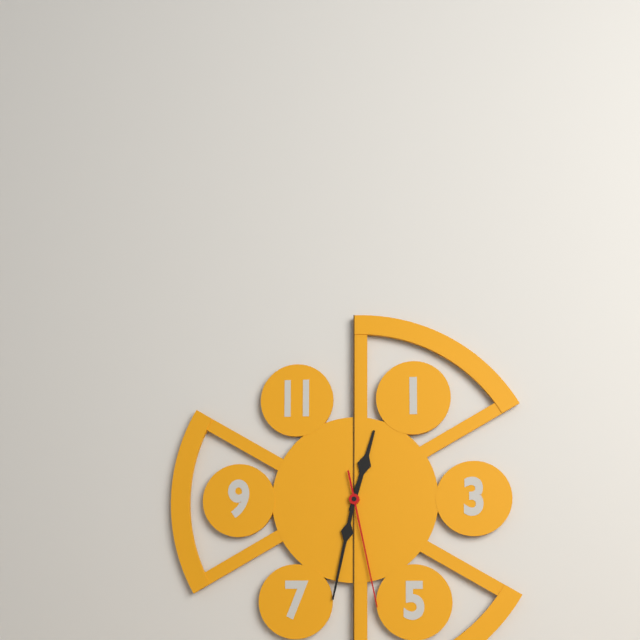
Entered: 12 h 32 min 28 s
